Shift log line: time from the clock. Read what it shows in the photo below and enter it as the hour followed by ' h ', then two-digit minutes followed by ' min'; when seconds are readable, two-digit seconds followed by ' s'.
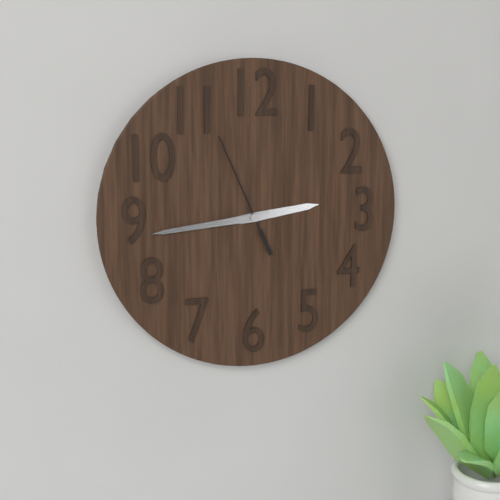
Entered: 2 h 44 min 56 s
